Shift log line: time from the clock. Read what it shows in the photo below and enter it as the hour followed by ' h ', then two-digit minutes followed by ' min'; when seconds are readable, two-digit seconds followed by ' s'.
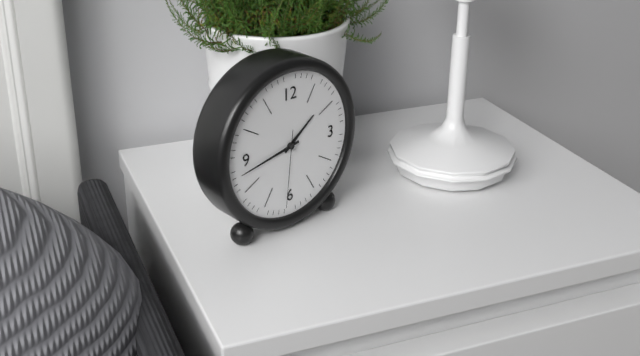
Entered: 1 h 43 min 31 s
